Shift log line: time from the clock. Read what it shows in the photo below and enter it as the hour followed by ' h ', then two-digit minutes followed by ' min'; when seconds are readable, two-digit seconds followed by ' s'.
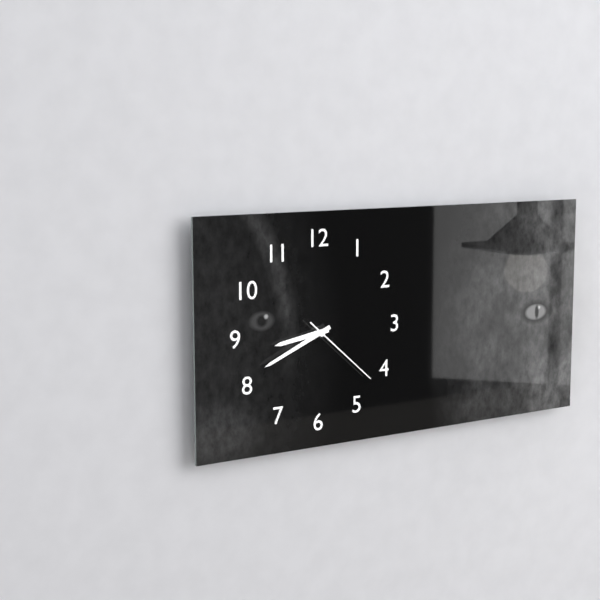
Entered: 8 h 41 min 22 s
